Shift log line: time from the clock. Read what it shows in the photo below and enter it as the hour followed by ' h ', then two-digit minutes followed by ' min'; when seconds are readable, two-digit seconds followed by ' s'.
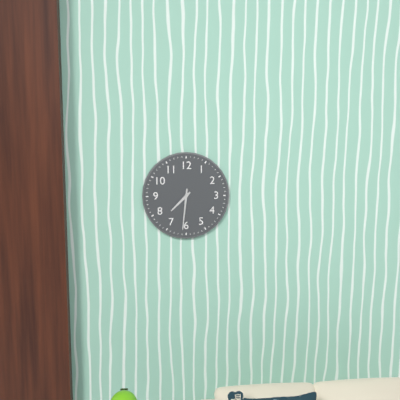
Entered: 7 h 31 min
